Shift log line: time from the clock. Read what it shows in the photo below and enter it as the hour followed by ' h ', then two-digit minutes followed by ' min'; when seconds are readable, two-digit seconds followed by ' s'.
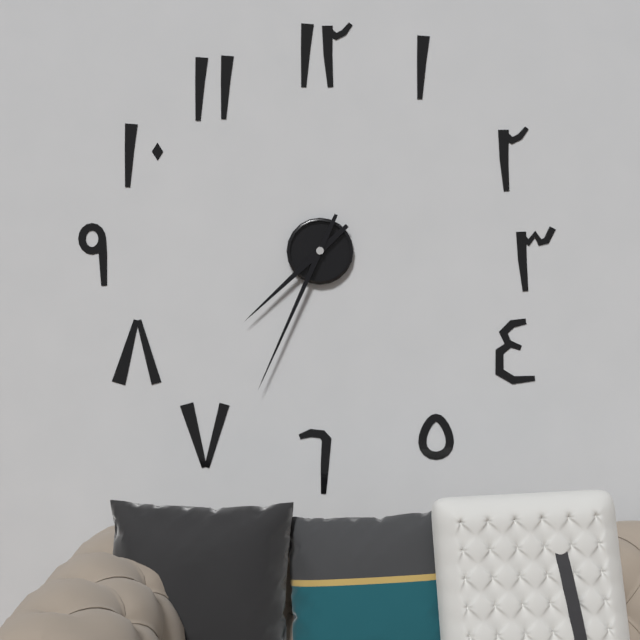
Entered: 7 h 34 min
